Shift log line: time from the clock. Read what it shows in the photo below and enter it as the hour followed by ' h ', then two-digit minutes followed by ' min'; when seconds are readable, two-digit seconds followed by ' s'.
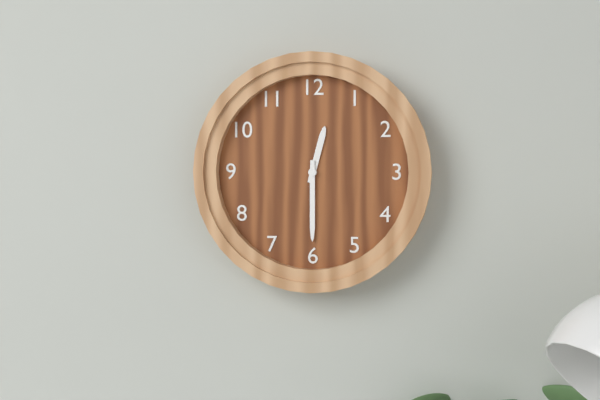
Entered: 12 h 30 min
